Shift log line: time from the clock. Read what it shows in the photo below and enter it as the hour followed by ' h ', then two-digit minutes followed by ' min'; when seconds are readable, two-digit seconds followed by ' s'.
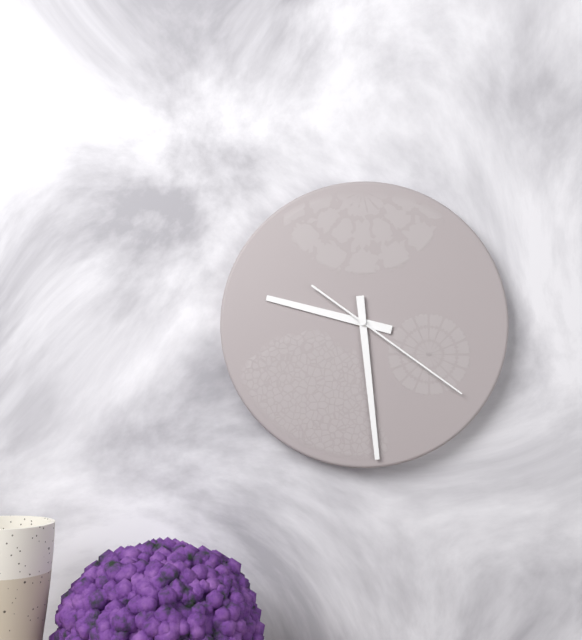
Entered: 9 h 29 min 21 s
